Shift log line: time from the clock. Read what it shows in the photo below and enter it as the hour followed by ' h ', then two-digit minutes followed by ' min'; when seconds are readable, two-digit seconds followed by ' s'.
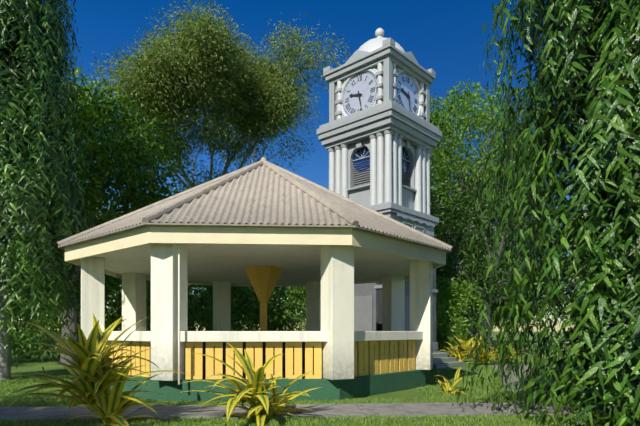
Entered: 9 h 28 min
